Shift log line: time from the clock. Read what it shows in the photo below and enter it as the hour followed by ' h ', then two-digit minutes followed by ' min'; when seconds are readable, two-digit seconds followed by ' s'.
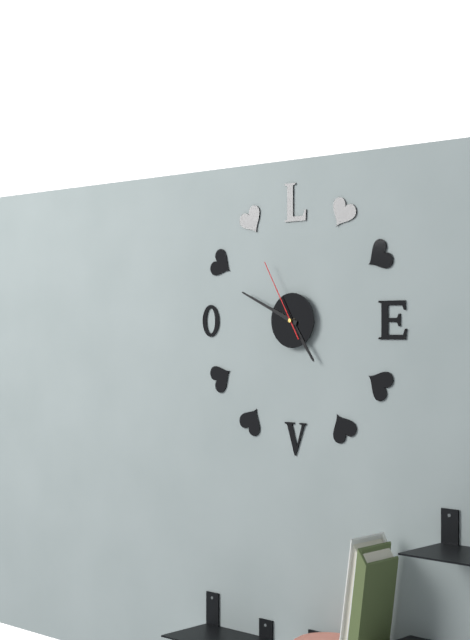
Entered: 4 h 49 min 55 s
